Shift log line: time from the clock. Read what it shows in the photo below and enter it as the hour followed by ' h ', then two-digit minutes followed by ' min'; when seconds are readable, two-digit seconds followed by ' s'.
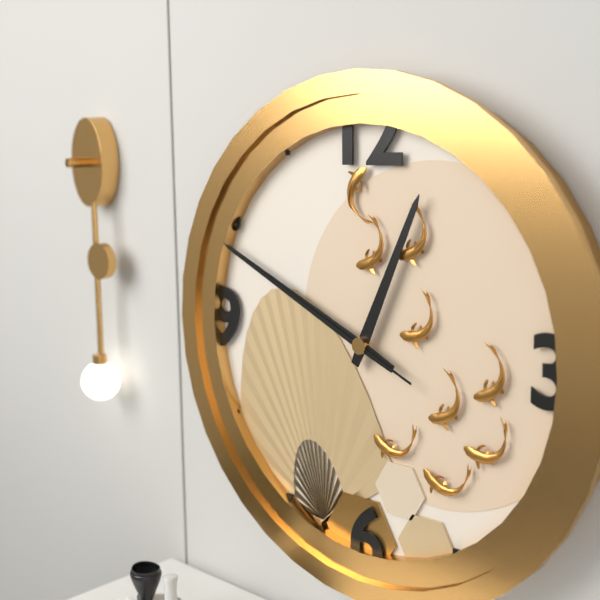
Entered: 12 h 49 min 49 s
